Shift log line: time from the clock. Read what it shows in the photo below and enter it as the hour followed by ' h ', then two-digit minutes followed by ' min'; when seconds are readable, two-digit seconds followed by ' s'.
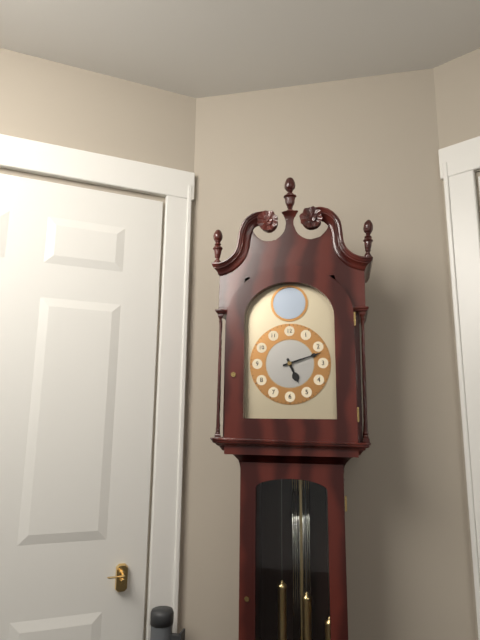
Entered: 5 h 12 min
